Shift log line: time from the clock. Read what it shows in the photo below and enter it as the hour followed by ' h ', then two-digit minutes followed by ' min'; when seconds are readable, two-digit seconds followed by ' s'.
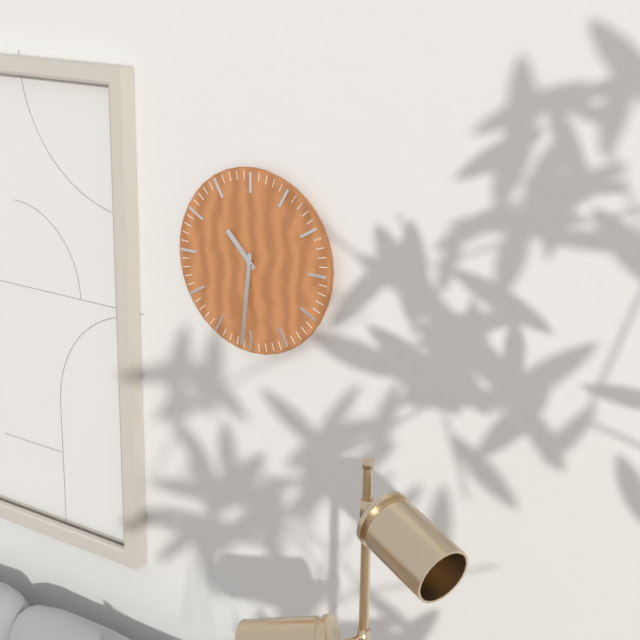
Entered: 10 h 31 min
